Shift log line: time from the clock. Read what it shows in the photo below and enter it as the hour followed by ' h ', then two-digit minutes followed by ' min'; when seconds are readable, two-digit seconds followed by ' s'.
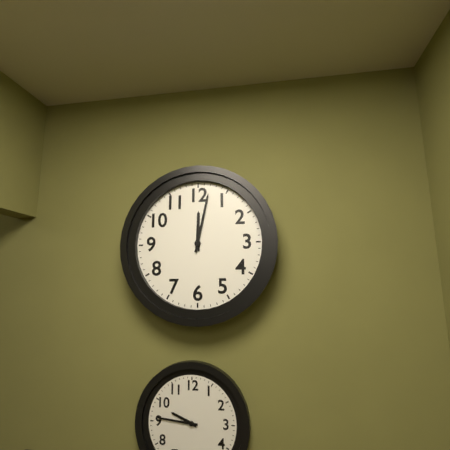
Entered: 12 h 02 min
